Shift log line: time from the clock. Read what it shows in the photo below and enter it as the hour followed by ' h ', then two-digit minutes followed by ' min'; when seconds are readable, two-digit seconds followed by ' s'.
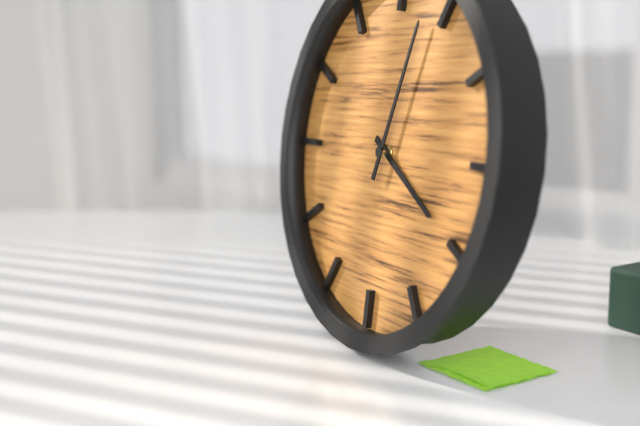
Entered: 4 h 03 min
